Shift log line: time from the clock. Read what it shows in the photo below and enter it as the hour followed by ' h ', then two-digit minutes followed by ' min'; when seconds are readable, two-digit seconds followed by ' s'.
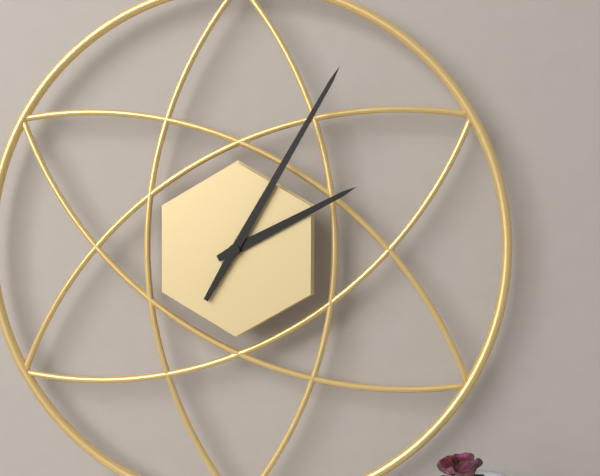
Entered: 2 h 05 min
